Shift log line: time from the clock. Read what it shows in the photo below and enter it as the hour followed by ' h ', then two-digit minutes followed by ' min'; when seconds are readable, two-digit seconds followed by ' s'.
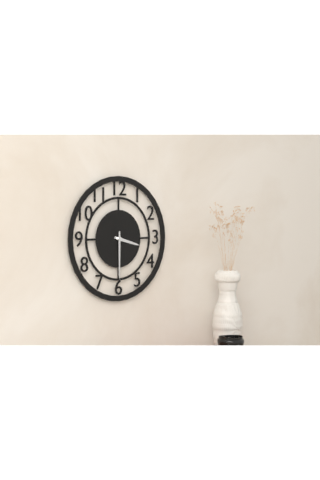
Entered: 3 h 30 min
